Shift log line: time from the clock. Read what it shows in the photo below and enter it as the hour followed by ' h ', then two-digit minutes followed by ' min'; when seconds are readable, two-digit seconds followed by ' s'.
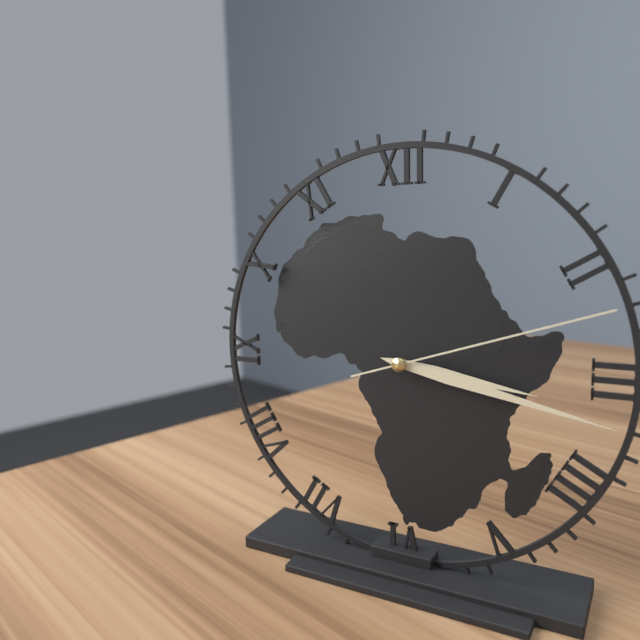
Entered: 3 h 17 min 12 s
